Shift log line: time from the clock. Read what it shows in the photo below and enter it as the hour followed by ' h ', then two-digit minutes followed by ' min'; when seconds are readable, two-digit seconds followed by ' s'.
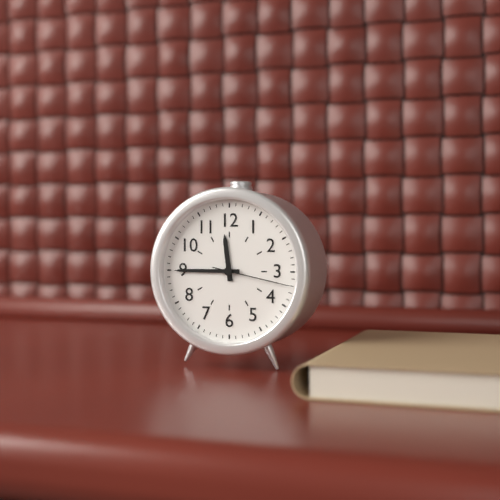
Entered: 11 h 45 min 17 s
